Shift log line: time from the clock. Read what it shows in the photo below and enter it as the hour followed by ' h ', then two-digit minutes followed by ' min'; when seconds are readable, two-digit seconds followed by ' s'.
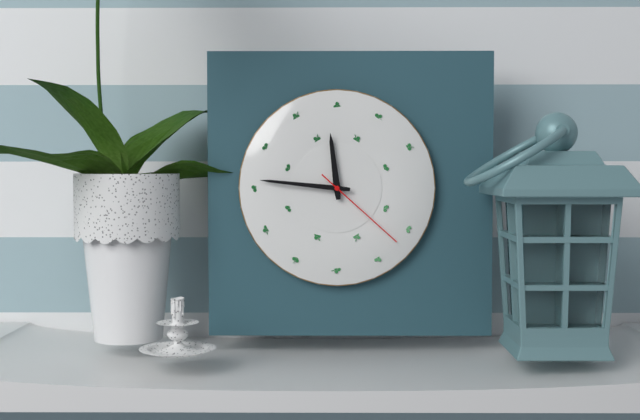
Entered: 11 h 46 min 22 s
